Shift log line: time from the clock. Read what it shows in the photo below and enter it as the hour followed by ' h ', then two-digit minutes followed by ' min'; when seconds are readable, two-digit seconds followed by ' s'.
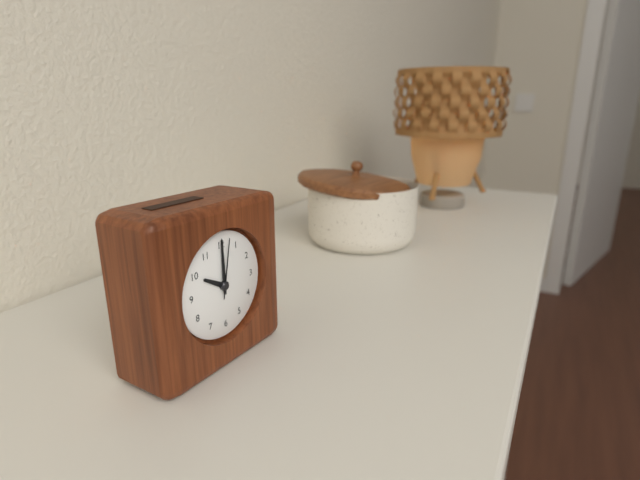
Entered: 10 h 00 min 02 s
